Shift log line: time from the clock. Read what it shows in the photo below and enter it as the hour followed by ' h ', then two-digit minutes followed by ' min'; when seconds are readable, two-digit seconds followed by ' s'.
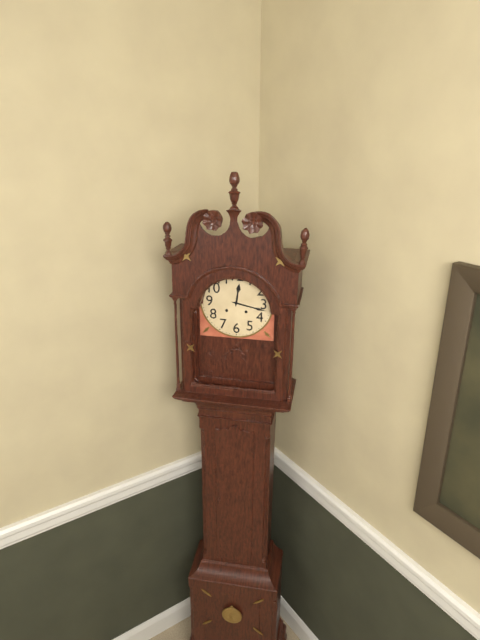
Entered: 12 h 17 min
